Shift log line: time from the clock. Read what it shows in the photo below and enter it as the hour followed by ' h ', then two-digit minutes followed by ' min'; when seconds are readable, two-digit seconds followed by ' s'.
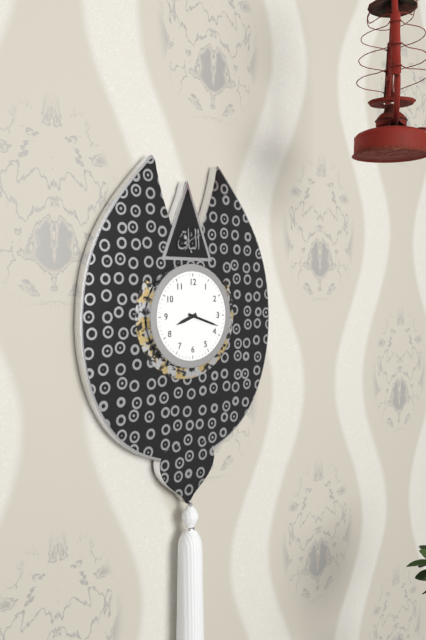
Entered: 8 h 18 min
